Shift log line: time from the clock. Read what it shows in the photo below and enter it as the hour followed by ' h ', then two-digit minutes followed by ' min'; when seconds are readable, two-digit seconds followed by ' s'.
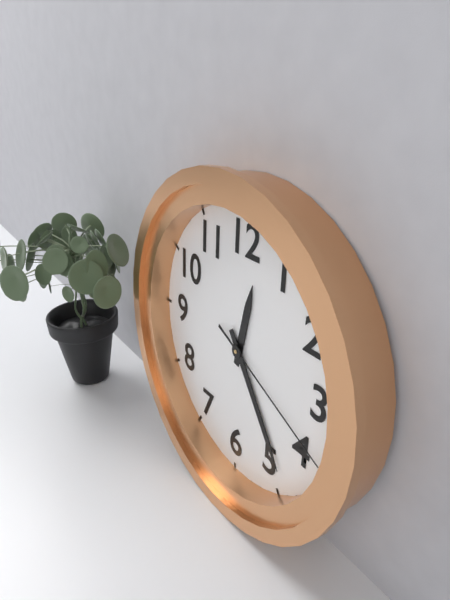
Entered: 12 h 24 min 19 s
